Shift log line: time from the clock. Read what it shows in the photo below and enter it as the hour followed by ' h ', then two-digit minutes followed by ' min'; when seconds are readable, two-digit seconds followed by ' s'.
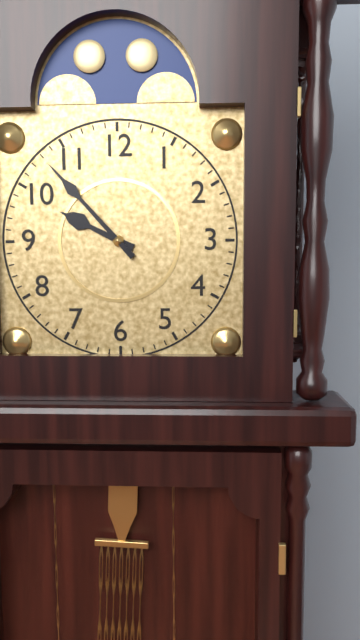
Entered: 9 h 53 min
